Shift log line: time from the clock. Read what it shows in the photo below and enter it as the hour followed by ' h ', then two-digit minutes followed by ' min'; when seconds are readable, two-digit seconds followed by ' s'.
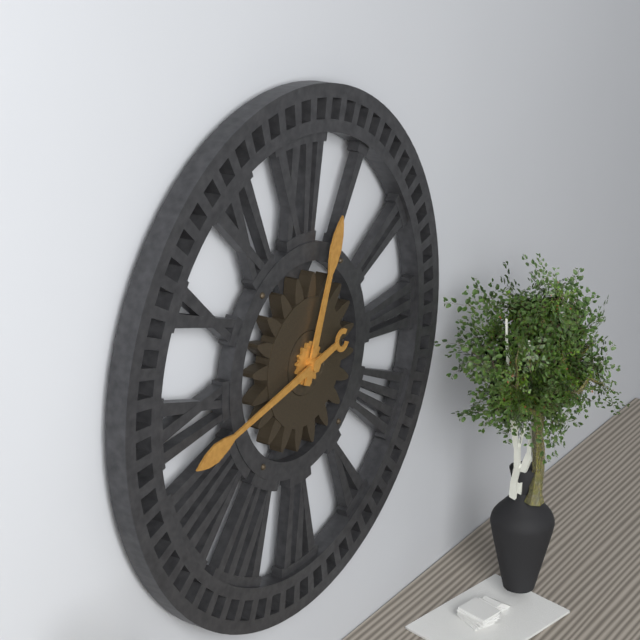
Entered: 12 h 43 min
